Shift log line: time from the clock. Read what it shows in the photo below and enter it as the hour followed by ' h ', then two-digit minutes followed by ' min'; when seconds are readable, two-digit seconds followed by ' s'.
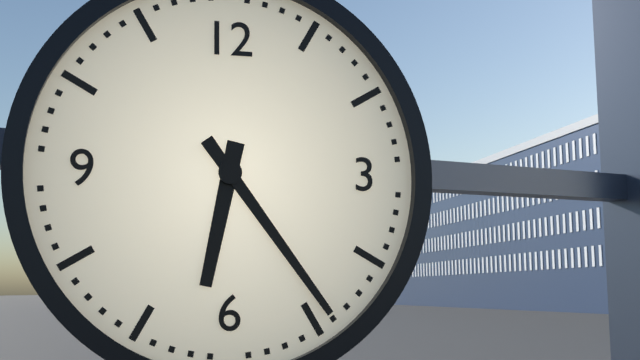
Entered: 6 h 24 min
